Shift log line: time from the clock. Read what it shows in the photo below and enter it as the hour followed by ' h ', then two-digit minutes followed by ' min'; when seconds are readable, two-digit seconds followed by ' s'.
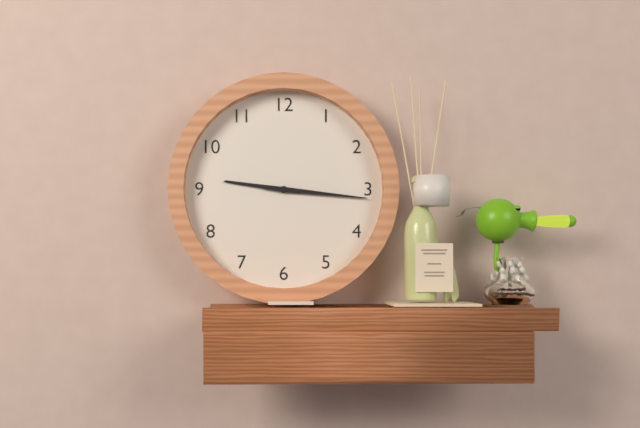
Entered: 9 h 16 min
